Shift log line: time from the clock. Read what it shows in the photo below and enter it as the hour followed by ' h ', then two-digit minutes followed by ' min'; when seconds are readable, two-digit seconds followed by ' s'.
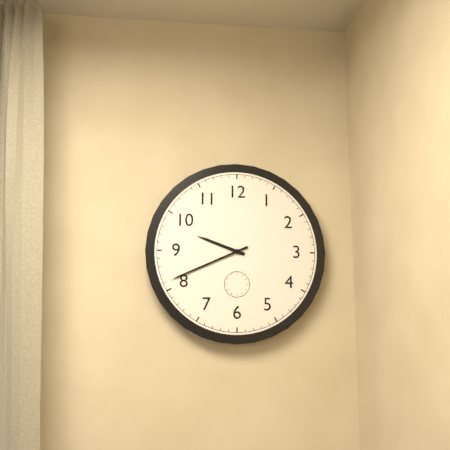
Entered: 9 h 41 min
